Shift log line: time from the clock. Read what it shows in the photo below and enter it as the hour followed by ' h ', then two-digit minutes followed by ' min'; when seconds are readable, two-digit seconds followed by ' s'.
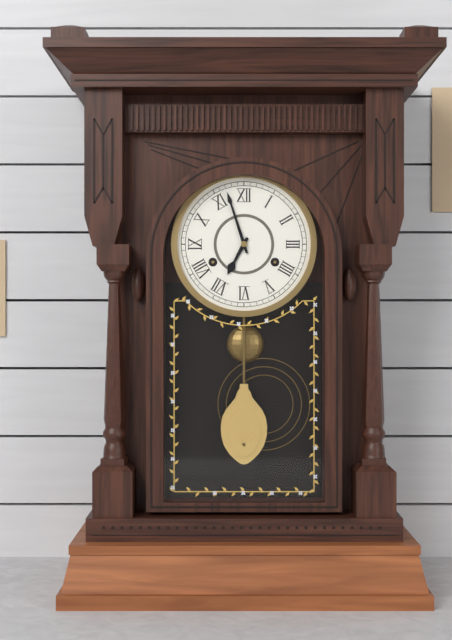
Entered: 6 h 57 min
